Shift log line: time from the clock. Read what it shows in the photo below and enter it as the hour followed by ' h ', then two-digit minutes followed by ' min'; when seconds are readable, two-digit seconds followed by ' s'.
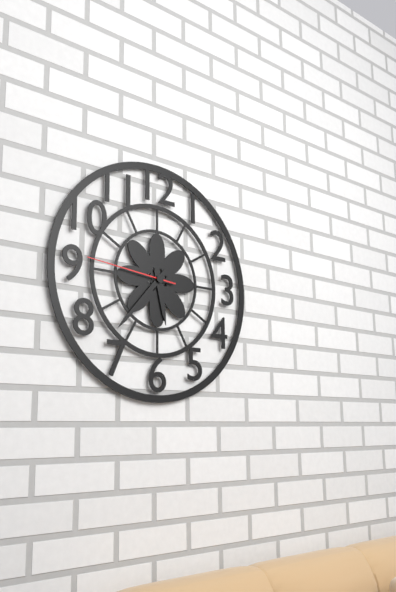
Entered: 5 h 37 min 46 s
